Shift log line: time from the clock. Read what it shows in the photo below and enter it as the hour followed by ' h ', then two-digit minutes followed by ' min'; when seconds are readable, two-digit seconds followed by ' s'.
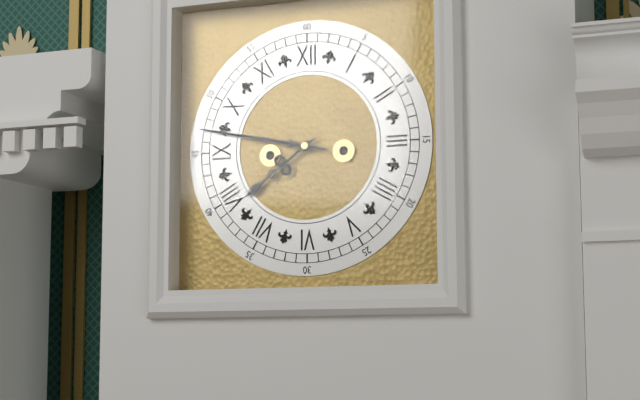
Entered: 7 h 47 min
